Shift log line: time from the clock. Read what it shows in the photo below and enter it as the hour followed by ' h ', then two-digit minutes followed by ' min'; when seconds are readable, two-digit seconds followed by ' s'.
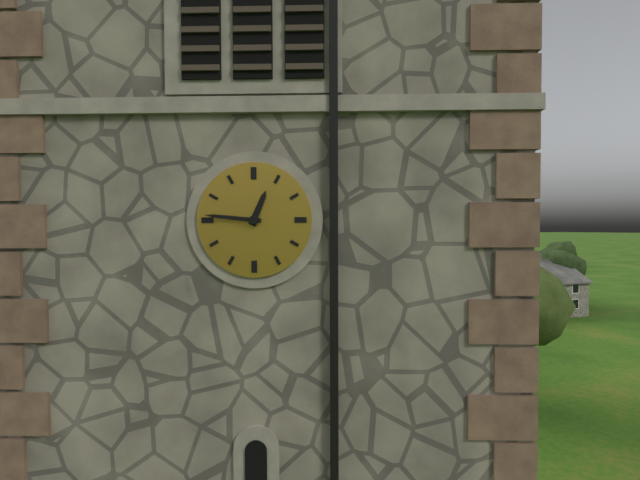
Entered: 12 h 46 min
